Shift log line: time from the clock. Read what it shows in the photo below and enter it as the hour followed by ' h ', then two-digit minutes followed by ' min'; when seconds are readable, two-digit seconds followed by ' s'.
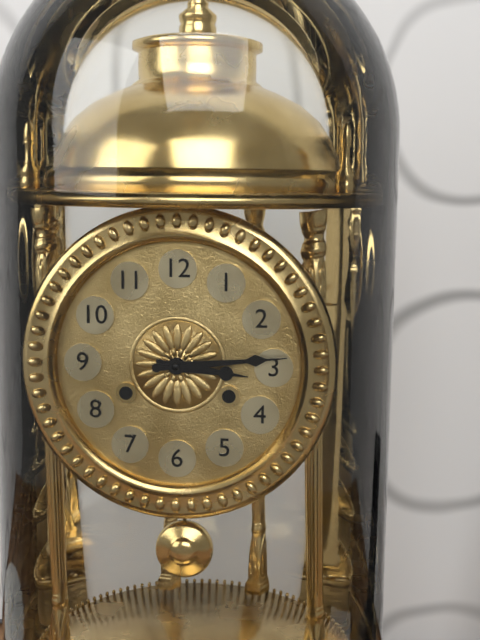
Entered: 3 h 14 min
